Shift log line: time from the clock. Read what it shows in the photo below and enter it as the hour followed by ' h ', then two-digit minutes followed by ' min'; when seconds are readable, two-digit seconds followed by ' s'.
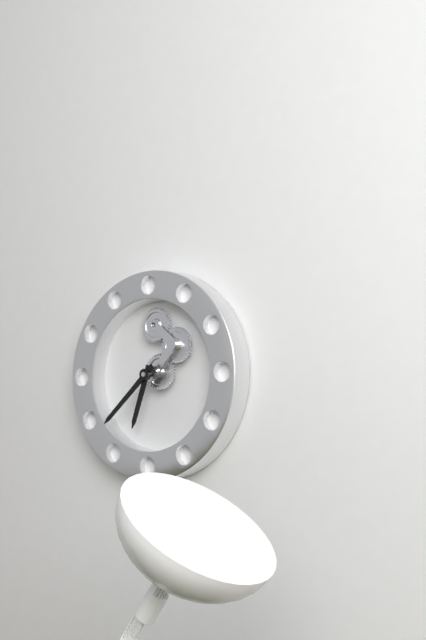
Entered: 6 h 38 min
